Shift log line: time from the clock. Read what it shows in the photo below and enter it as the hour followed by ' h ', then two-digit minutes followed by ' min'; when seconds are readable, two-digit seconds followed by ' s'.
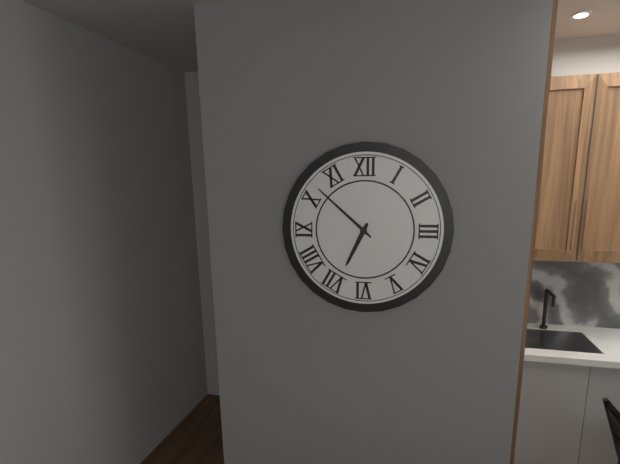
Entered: 6 h 52 min
